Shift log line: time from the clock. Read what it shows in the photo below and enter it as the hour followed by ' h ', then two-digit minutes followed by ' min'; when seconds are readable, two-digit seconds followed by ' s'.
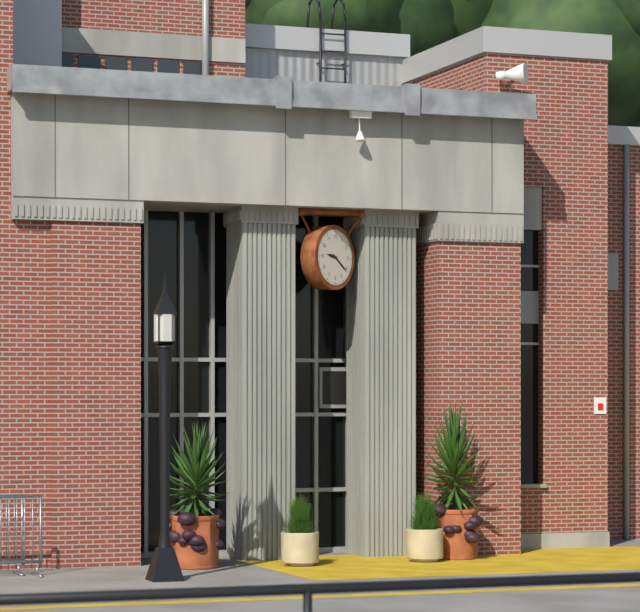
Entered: 9 h 21 min
